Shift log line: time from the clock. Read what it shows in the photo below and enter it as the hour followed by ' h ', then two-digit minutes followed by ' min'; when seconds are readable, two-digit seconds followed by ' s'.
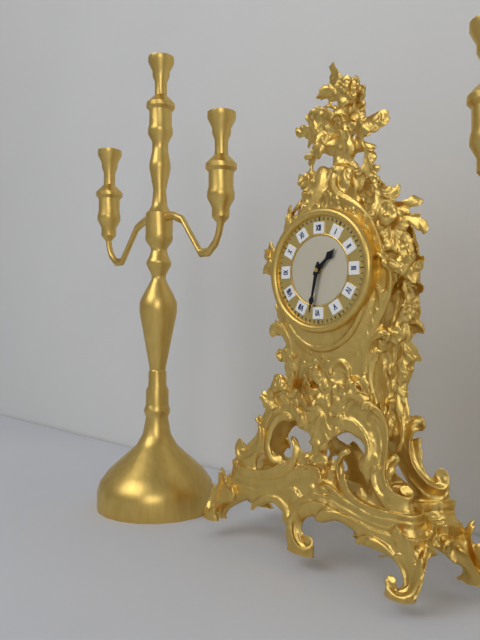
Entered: 1 h 32 min
